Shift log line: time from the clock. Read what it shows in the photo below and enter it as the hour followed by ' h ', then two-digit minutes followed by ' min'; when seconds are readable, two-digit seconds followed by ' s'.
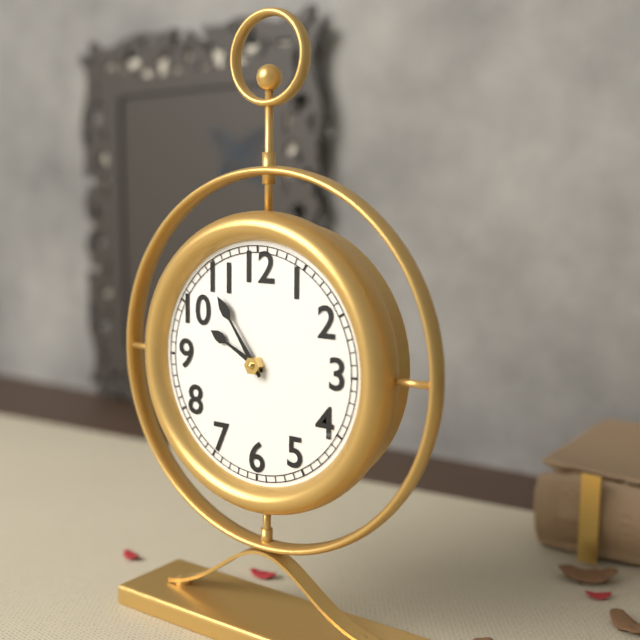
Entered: 9 h 54 min
